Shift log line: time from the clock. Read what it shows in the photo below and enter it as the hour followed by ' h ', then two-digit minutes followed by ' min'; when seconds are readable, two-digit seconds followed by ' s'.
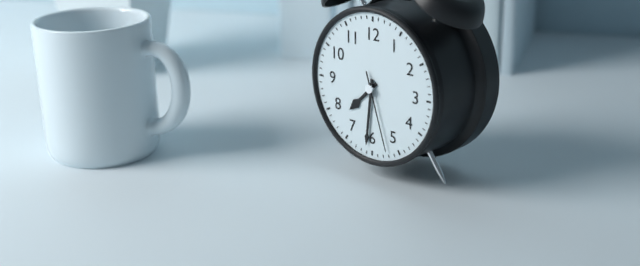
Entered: 7 h 31 min 27 s
